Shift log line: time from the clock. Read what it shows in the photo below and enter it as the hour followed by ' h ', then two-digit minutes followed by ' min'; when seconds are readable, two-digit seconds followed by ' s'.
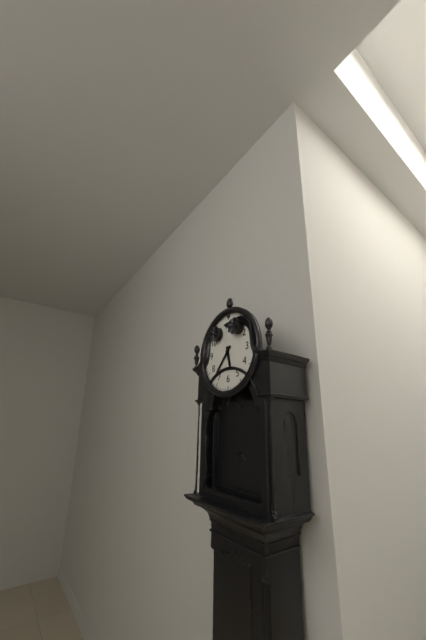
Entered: 5 h 37 min
